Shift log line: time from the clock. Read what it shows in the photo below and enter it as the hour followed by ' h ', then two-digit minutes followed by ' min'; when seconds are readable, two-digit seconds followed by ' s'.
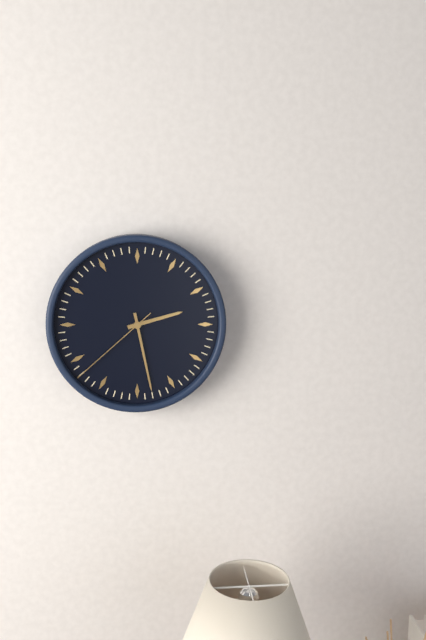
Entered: 2 h 28 min 38 s
